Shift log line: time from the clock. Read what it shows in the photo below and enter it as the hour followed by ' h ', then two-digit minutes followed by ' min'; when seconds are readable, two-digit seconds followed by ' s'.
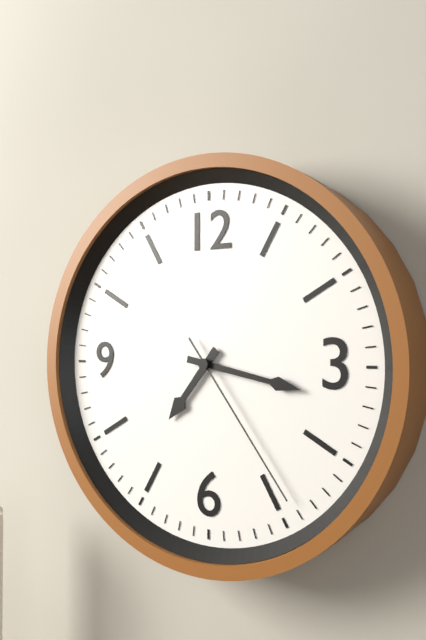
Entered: 7 h 17 min 24 s
